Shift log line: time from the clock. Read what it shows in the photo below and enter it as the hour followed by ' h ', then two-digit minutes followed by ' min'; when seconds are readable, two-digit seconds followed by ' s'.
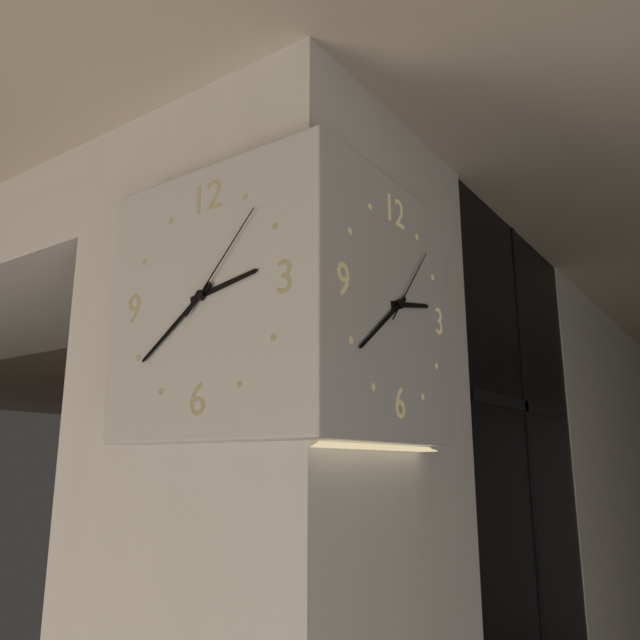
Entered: 2 h 39 min 07 s
